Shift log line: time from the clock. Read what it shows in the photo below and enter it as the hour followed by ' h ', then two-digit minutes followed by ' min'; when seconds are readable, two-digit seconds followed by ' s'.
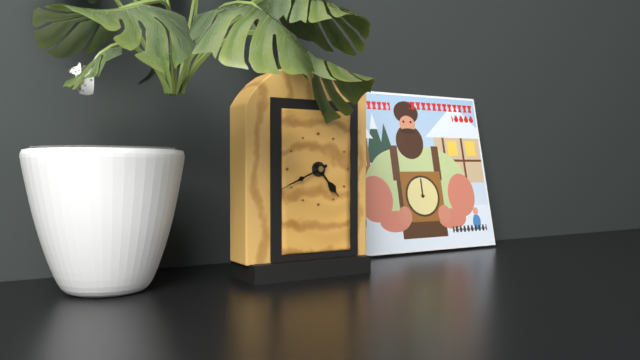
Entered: 4 h 41 min
